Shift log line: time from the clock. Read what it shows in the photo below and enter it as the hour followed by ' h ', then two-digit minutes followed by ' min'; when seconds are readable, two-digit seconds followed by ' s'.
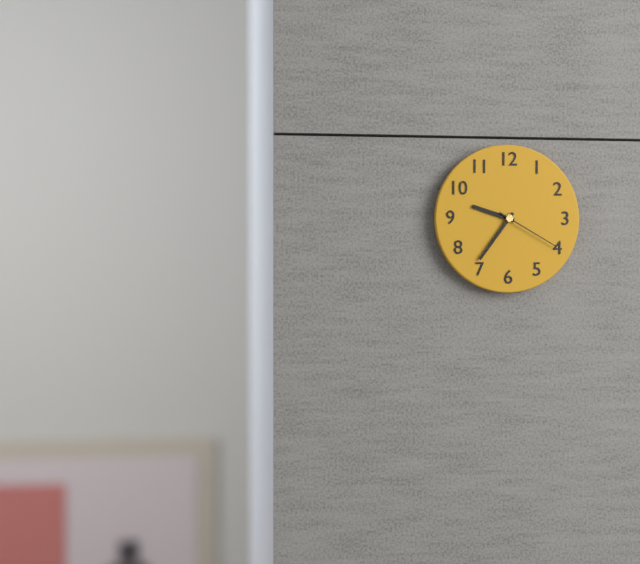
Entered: 9 h 36 min 20 s
